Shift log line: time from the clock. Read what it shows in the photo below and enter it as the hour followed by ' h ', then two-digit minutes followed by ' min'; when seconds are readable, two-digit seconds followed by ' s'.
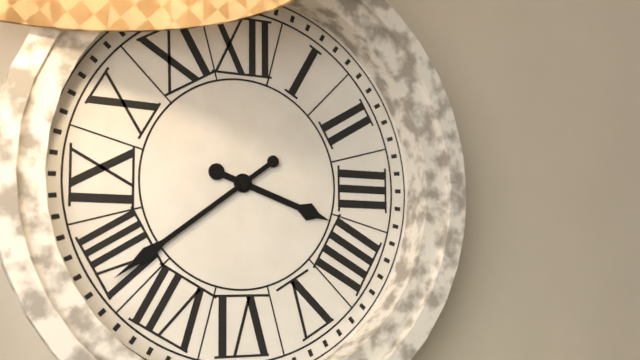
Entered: 3 h 39 min
